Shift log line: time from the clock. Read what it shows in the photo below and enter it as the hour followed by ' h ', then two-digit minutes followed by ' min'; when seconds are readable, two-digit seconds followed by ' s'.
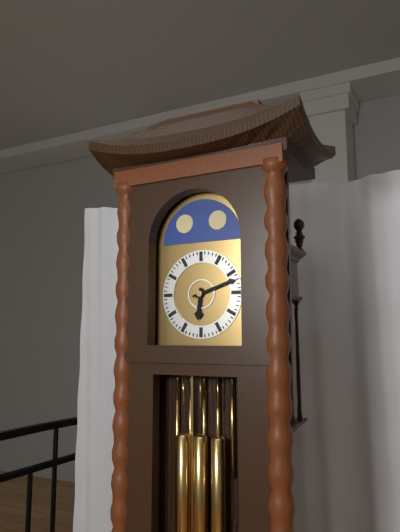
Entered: 6 h 12 min
